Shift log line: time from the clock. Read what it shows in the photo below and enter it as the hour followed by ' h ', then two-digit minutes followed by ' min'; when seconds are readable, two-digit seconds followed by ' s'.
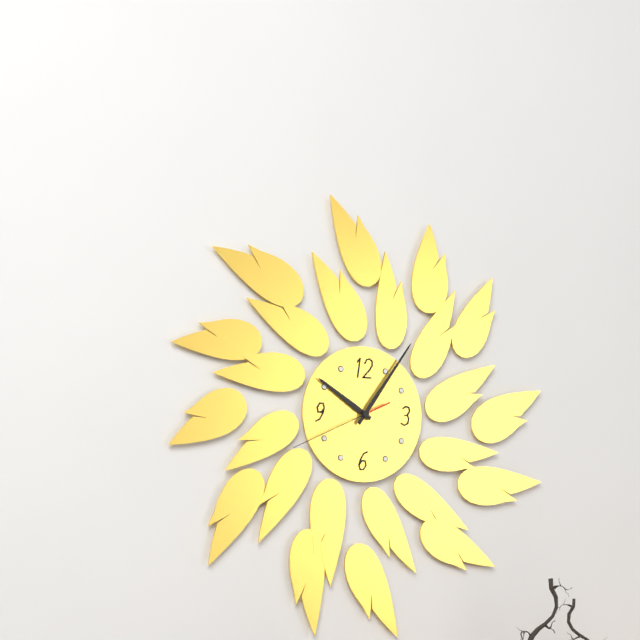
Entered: 10 h 06 min 41 s
